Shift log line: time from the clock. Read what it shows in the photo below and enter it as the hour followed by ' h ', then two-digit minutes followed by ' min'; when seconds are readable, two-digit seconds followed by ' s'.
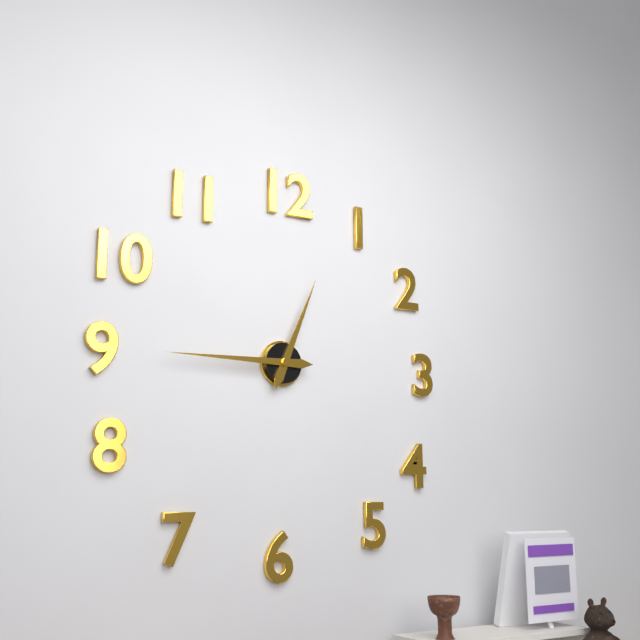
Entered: 12 h 45 min
